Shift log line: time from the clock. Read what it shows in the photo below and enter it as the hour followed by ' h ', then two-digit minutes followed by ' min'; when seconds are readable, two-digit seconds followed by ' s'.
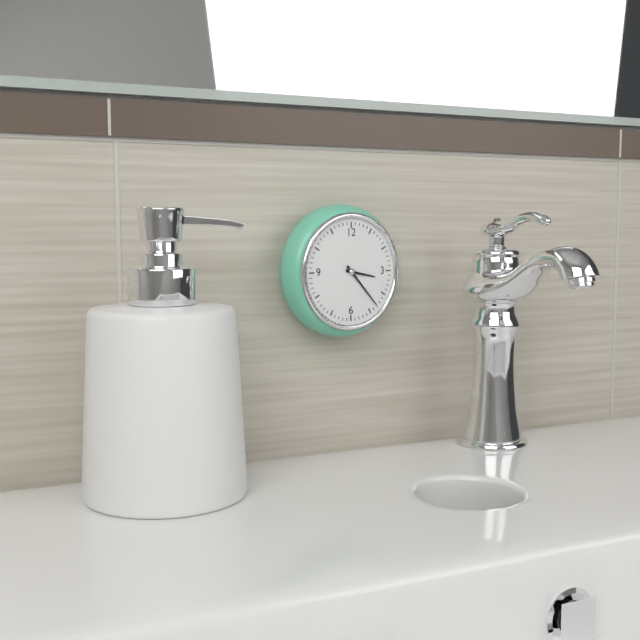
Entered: 3 h 23 min
